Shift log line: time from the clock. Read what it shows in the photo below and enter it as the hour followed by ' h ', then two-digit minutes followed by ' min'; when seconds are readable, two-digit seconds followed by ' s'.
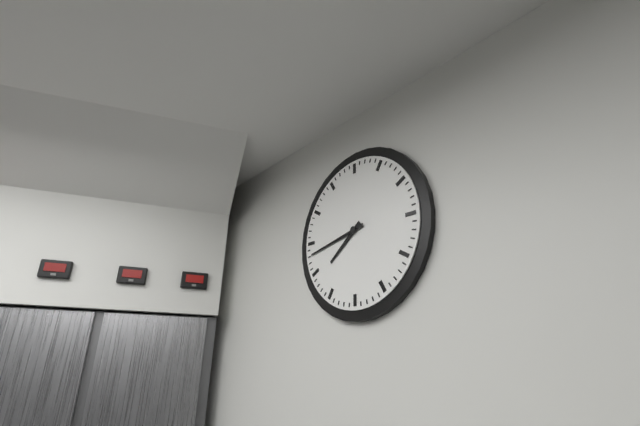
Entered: 7 h 43 min
